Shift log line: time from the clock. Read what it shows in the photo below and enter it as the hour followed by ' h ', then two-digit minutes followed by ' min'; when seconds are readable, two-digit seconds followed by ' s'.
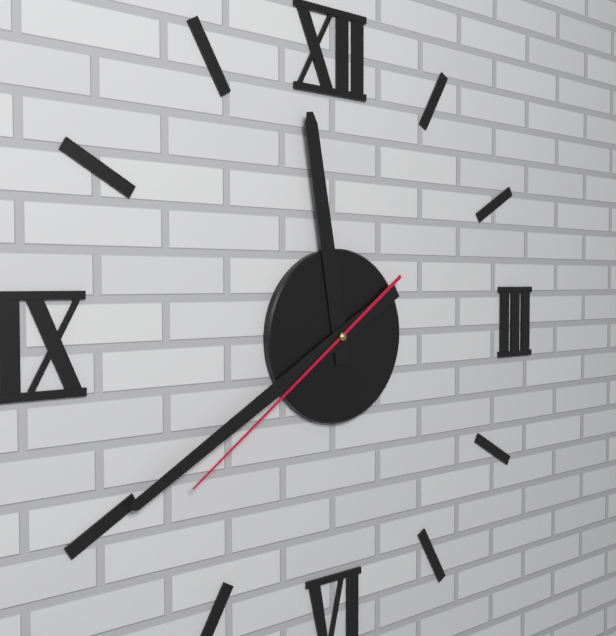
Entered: 11 h 40 min 39 s
